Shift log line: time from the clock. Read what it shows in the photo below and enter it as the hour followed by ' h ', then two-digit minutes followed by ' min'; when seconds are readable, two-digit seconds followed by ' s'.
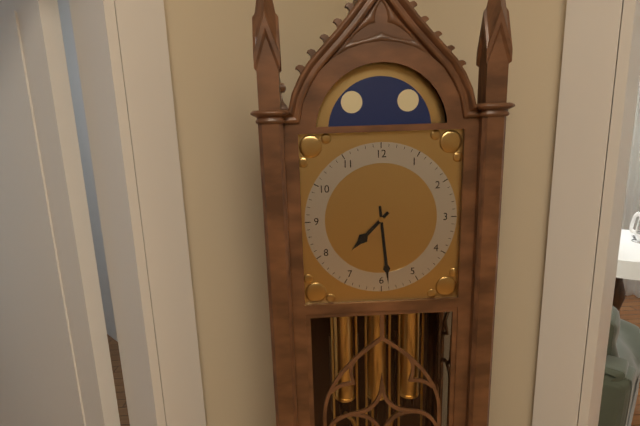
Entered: 7 h 29 min
